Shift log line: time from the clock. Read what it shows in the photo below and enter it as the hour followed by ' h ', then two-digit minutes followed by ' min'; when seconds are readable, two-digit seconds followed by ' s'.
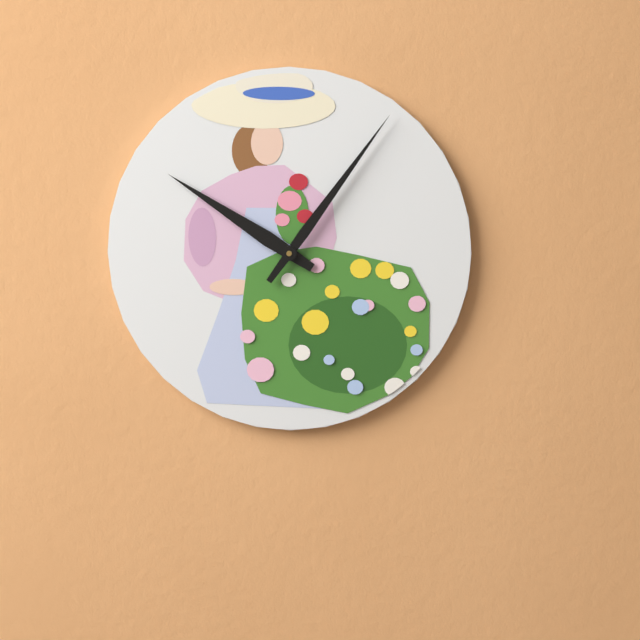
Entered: 10 h 06 min
